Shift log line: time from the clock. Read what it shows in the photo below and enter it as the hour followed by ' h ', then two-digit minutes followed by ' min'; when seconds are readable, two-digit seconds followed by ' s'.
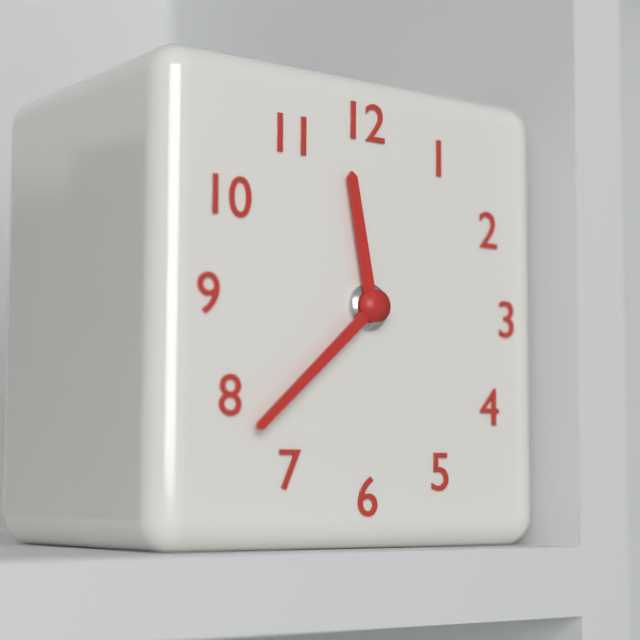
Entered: 11 h 38 min
